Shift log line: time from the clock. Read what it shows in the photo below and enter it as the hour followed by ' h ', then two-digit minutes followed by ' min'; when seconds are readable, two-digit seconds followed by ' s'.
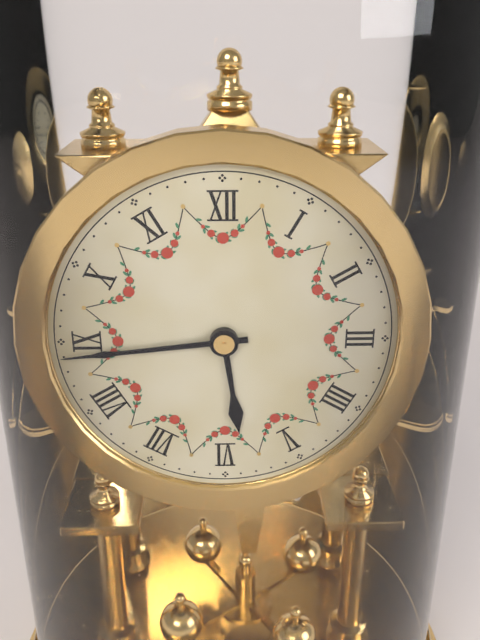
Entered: 5 h 44 min
